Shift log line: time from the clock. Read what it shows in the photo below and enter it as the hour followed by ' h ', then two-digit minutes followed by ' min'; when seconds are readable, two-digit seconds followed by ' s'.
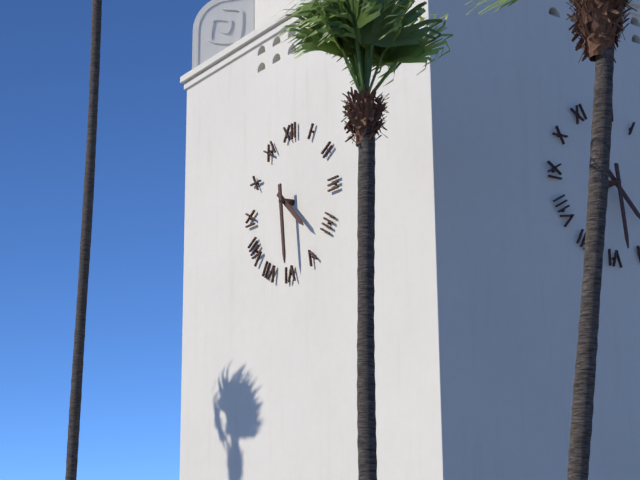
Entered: 4 h 29 min
